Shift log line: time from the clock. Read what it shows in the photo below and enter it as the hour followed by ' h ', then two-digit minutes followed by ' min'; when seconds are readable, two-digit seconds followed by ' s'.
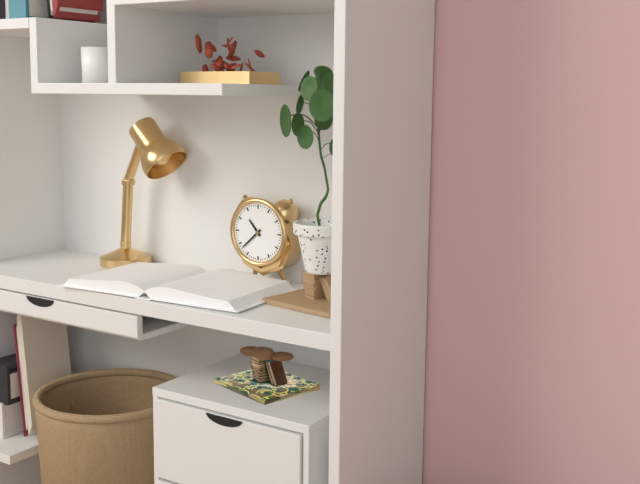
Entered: 10 h 38 min
